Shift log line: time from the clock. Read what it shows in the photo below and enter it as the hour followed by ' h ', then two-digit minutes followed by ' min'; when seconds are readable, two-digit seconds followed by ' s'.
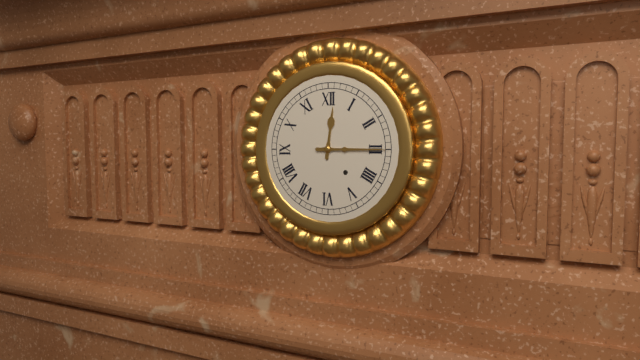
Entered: 12 h 15 min
